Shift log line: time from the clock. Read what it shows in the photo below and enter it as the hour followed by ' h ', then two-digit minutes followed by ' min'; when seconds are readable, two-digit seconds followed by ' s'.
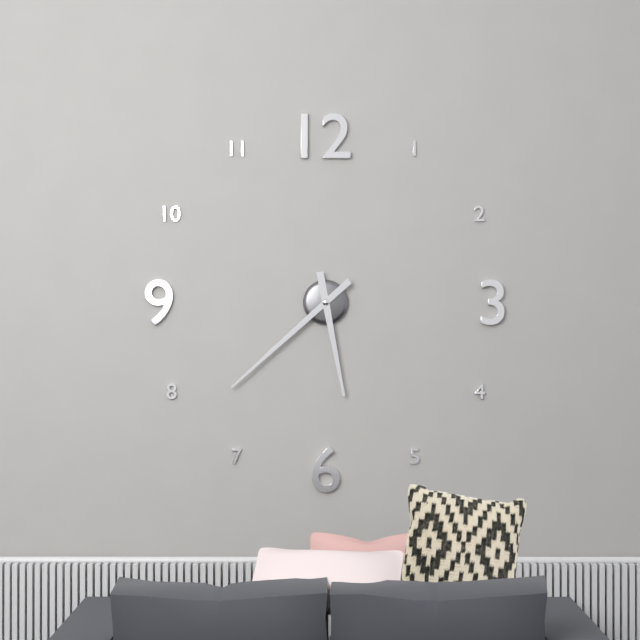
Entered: 5 h 38 min
